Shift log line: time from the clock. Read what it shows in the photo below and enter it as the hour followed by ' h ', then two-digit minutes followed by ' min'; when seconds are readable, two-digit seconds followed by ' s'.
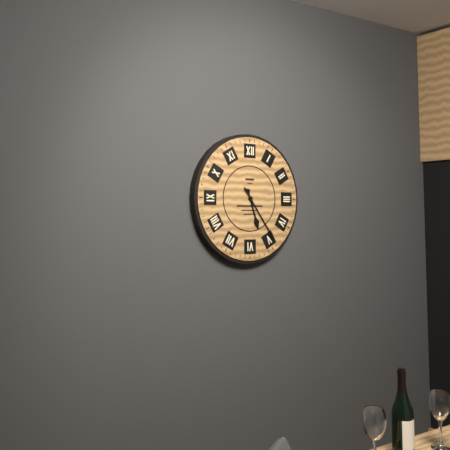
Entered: 5 h 24 min
